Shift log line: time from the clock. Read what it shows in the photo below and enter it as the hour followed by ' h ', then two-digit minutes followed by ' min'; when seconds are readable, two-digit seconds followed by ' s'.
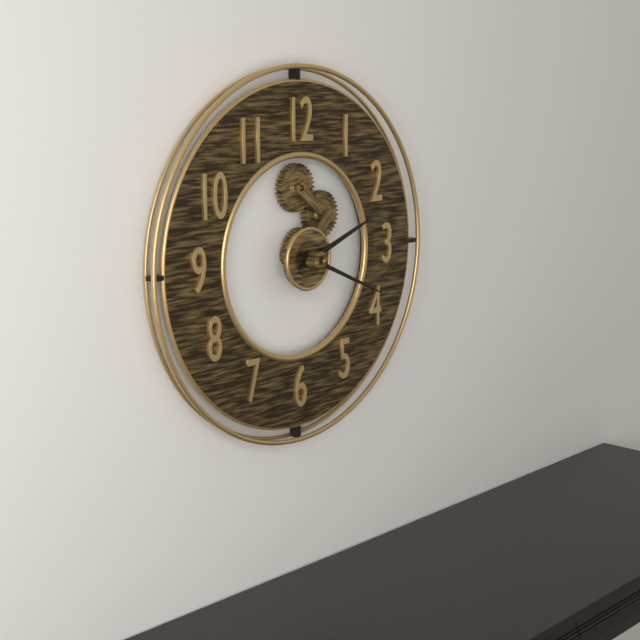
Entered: 2 h 19 min
